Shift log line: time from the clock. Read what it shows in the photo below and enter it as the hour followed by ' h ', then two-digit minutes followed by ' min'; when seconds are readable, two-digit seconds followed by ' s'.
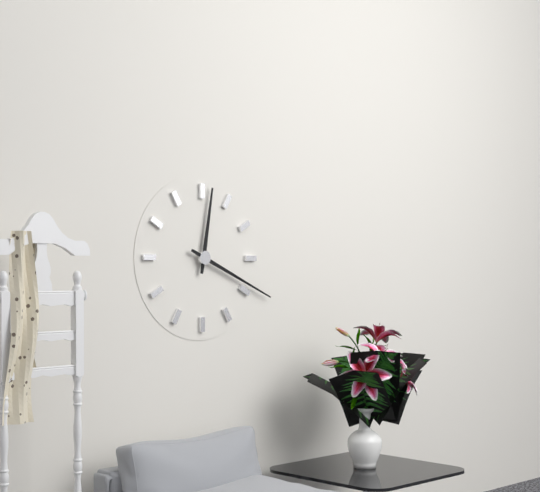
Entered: 12 h 19 min
